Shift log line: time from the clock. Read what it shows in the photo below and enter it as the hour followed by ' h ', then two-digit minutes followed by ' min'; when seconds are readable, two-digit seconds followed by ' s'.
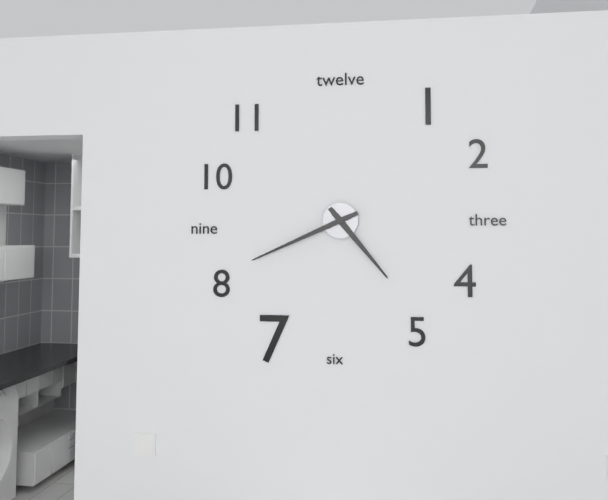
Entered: 4 h 41 min
